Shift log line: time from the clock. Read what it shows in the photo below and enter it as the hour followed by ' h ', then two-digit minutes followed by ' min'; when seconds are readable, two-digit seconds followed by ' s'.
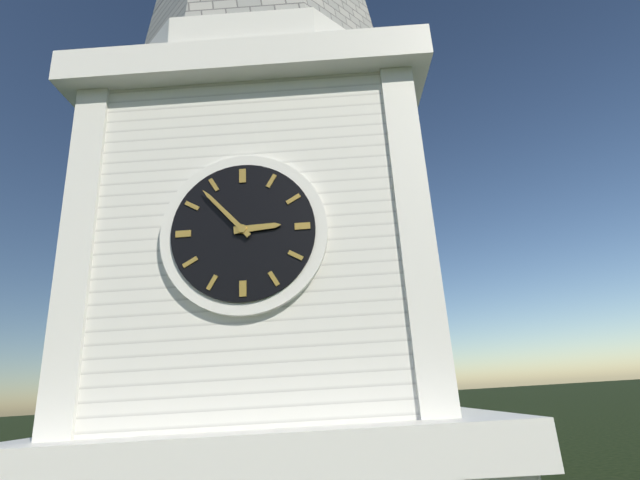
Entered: 2 h 53 min
